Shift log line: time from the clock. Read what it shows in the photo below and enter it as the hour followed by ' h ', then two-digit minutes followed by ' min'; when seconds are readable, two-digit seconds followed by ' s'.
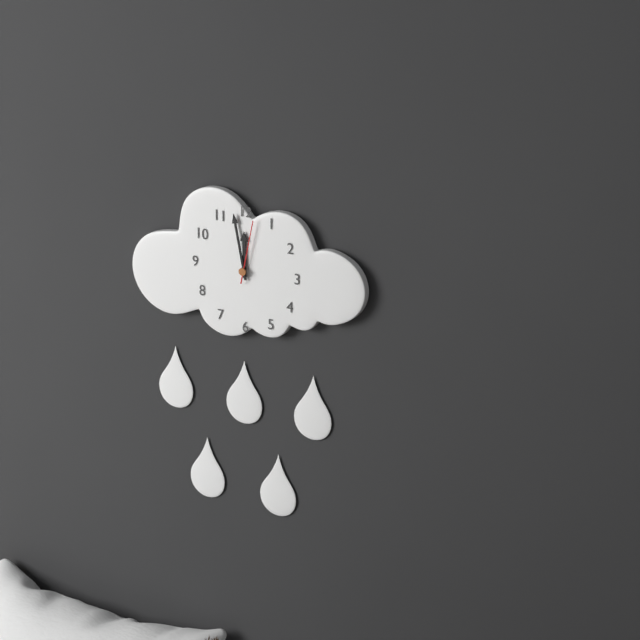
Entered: 11 h 58 min 02 s
